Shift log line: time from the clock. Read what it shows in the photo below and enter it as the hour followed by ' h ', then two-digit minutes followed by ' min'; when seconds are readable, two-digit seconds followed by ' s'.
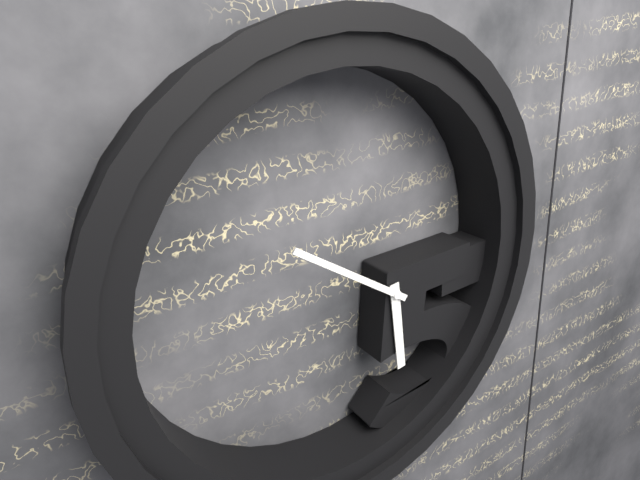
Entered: 5 h 51 min
